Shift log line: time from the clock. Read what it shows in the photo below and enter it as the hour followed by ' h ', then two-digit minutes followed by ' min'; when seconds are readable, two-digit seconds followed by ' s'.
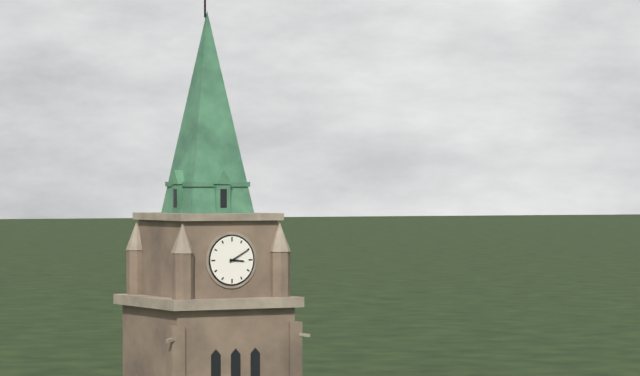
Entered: 3 h 10 min
